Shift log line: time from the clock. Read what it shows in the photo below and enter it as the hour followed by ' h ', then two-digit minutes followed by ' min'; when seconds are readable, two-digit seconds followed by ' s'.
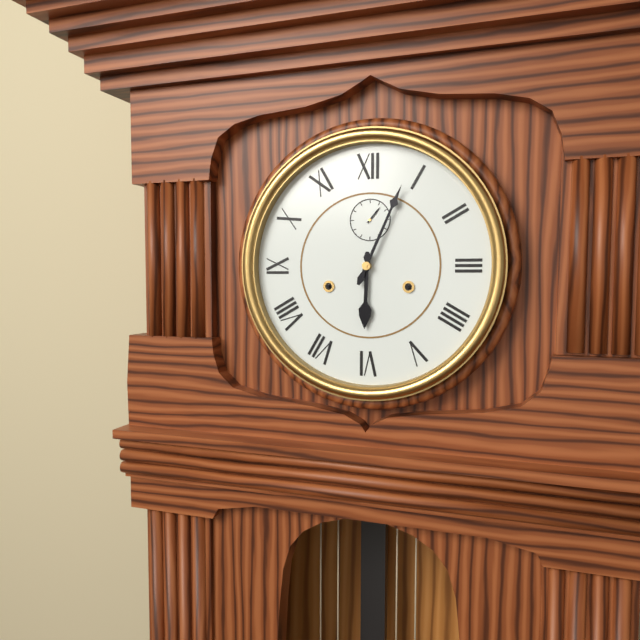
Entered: 6 h 04 min
